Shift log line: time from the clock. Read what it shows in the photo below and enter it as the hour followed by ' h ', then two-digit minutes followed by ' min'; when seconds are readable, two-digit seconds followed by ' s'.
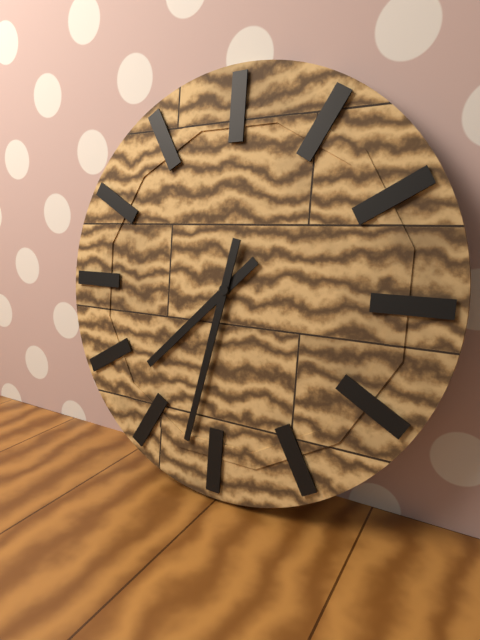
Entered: 7 h 32 min
